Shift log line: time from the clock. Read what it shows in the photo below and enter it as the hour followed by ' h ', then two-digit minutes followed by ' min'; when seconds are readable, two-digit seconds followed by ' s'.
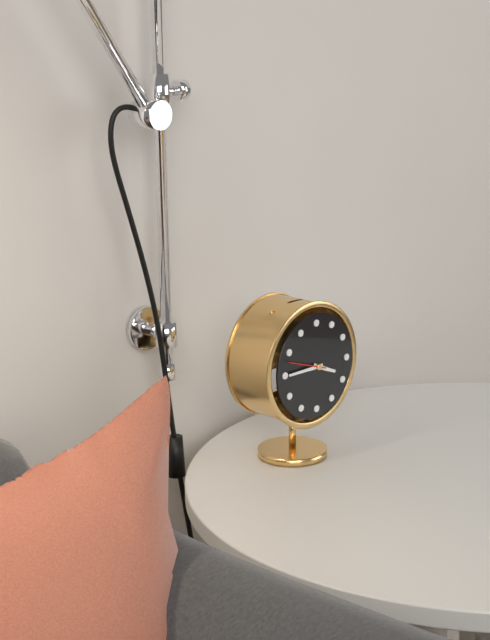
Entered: 3 h 45 min
